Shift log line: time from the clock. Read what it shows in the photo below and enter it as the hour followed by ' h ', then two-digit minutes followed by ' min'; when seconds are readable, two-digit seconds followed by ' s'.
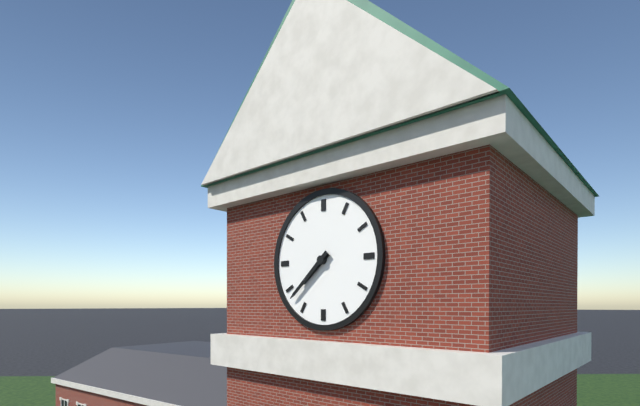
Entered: 7 h 38 min
